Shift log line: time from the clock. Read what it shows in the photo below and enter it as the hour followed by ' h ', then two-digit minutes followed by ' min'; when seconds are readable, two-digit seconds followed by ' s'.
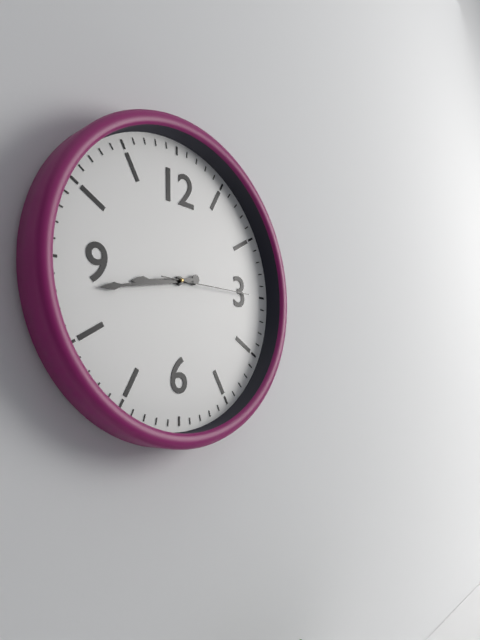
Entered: 8 h 43 min 15 s
